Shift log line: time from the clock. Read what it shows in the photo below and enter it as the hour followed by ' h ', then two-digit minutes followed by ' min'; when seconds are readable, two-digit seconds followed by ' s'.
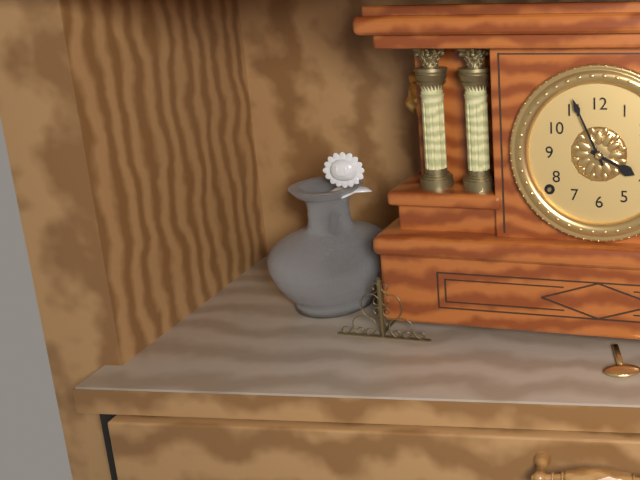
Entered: 3 h 56 min
